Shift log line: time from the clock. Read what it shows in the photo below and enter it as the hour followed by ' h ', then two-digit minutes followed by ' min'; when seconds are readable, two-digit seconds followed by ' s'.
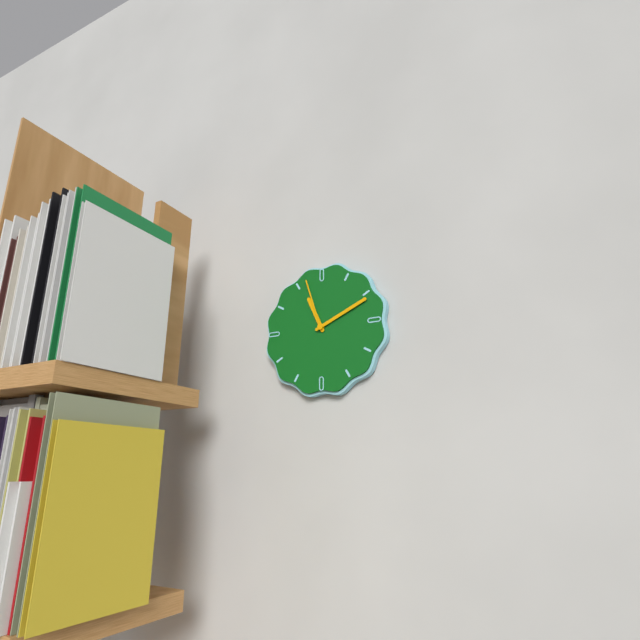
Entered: 11 h 11 min 57 s
